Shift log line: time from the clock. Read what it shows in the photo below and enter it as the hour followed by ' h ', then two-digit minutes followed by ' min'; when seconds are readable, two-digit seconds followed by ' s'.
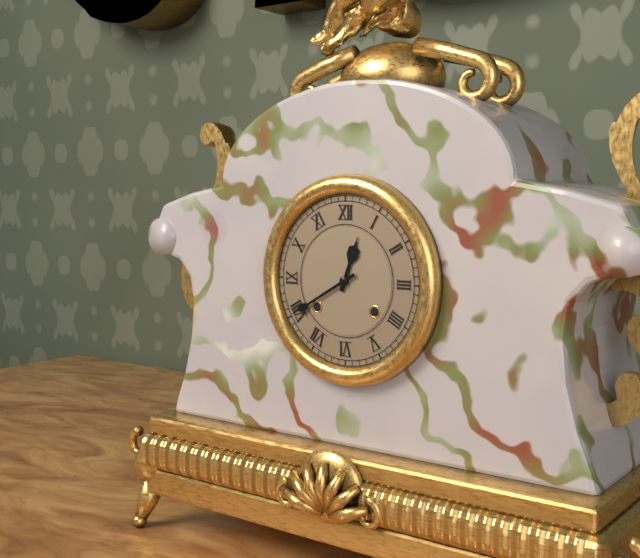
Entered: 12 h 40 min
